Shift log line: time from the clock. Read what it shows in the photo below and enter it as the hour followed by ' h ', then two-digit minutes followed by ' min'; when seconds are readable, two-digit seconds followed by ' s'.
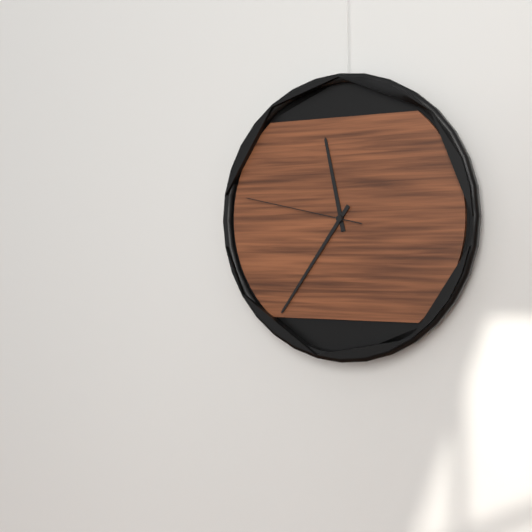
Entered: 11 h 36 min 47 s
